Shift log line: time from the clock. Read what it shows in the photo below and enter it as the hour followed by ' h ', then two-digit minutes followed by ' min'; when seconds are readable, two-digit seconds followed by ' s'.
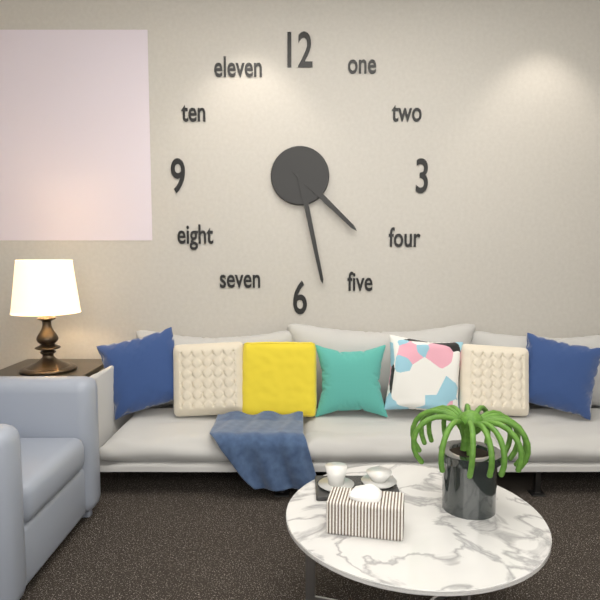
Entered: 4 h 28 min
